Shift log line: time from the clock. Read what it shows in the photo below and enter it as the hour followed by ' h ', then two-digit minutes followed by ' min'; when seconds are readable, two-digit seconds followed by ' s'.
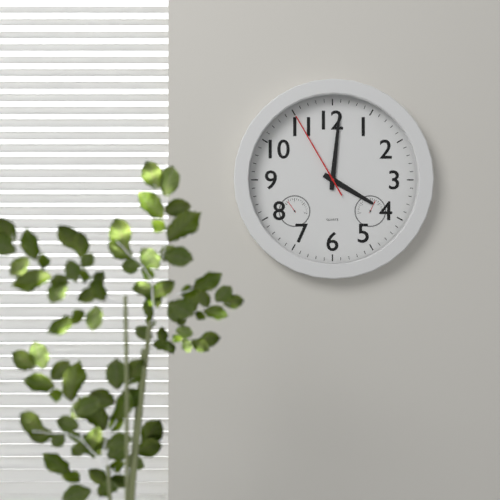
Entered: 4 h 01 min 55 s
